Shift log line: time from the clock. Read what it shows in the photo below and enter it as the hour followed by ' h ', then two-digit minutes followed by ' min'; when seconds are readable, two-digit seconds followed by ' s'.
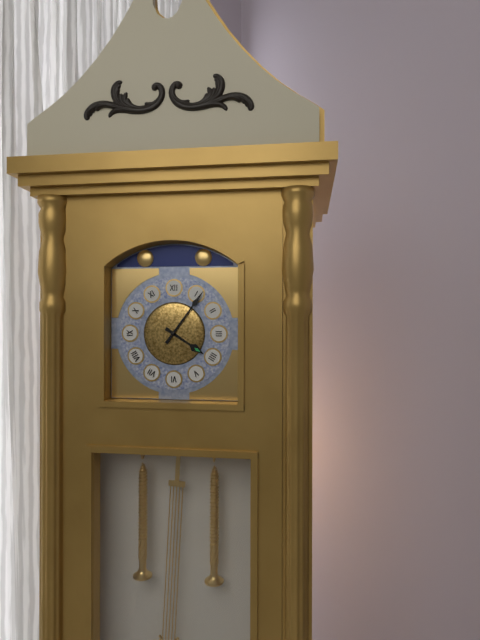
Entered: 4 h 06 min
